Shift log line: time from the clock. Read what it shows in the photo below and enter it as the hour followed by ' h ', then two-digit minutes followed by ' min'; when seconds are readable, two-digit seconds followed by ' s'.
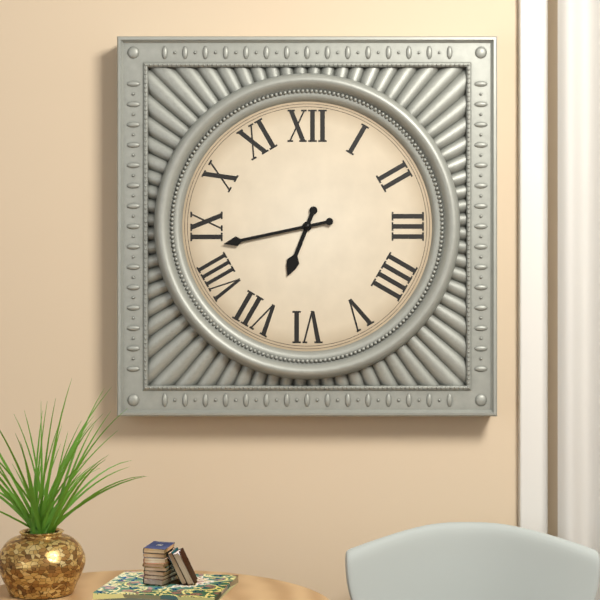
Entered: 6 h 43 min
